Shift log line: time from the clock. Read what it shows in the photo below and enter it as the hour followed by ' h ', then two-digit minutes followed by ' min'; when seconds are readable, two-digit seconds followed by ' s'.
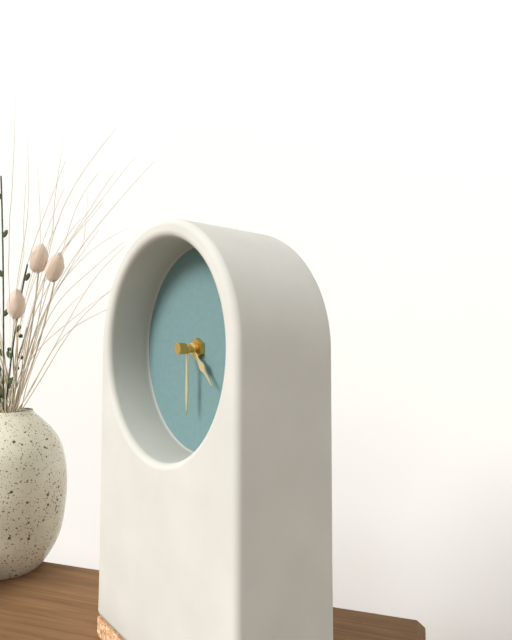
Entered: 4 h 30 min
